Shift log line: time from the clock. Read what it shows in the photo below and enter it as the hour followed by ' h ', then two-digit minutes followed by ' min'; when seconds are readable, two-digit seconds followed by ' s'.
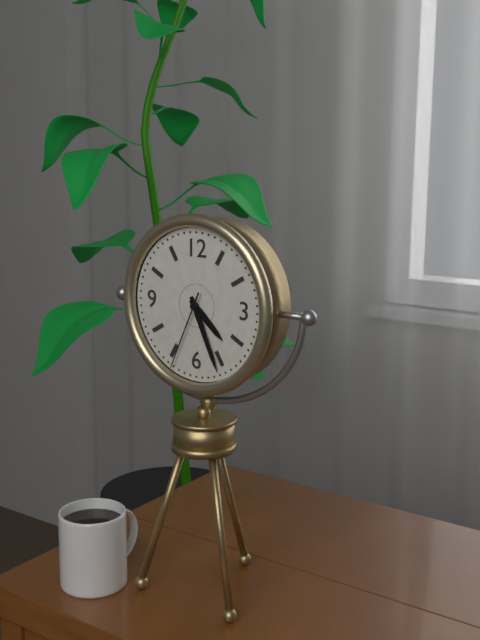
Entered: 4 h 26 min 34 s
